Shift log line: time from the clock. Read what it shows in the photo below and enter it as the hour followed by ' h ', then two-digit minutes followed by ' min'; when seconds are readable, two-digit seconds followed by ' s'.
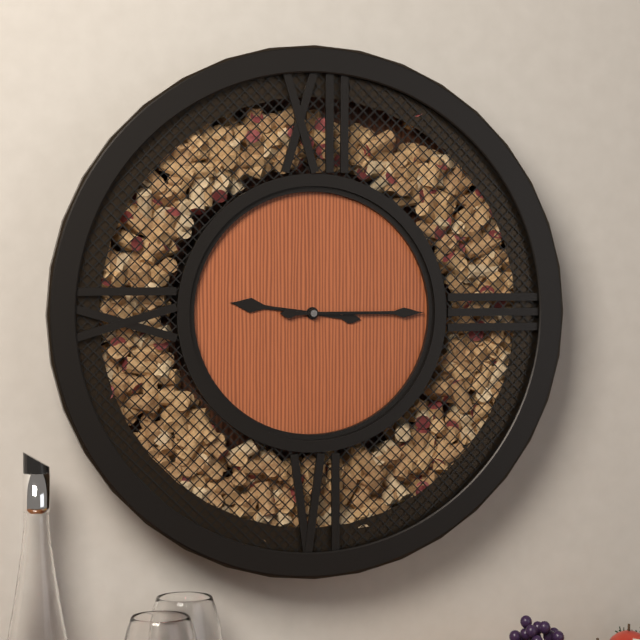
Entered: 9 h 15 min
